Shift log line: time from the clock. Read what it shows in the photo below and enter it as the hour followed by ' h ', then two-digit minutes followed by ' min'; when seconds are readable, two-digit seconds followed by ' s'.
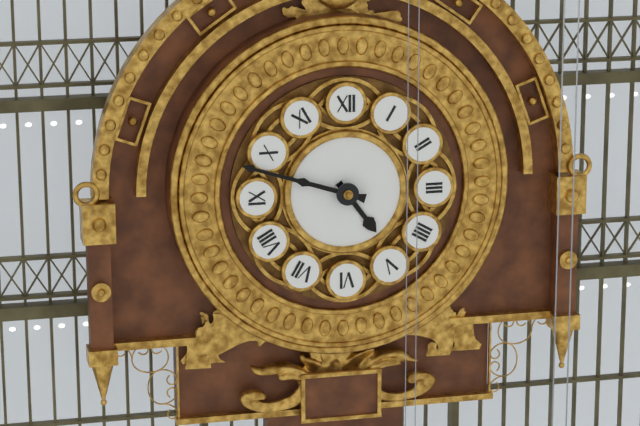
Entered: 4 h 48 min
